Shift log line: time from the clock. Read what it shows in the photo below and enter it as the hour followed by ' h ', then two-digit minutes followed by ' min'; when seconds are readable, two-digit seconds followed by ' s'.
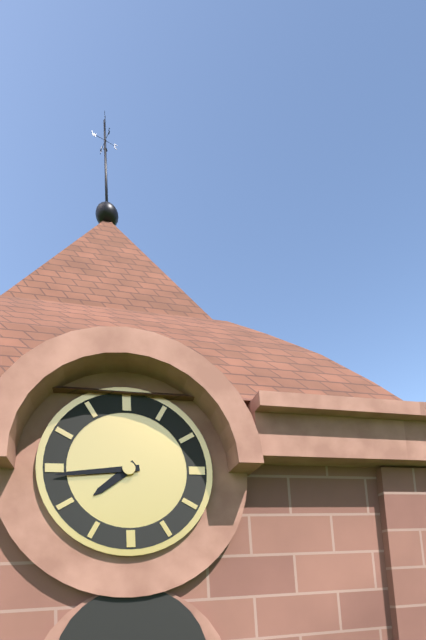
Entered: 7 h 44 min
